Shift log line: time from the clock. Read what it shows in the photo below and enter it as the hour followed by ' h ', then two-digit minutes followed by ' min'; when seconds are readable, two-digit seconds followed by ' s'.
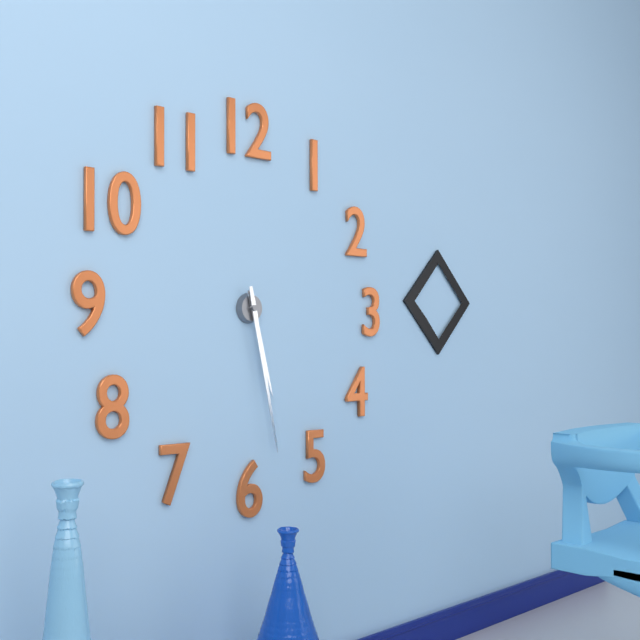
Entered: 5 h 28 min
